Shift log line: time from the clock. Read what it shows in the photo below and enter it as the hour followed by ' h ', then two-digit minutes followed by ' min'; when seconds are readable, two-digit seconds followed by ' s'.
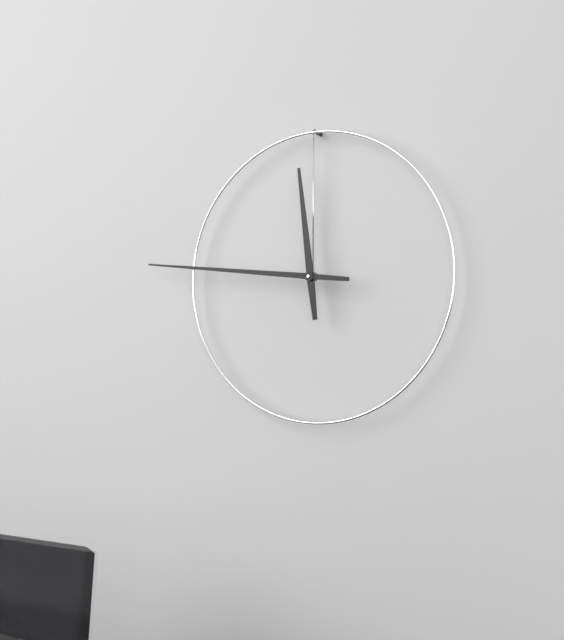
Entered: 11 h 46 min
